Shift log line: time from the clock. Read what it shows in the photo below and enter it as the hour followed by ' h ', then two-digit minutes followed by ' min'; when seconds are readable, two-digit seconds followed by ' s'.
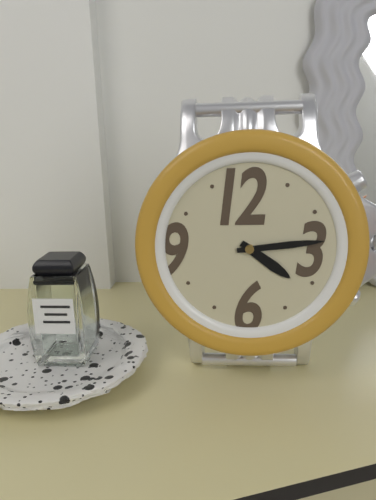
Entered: 4 h 14 min
